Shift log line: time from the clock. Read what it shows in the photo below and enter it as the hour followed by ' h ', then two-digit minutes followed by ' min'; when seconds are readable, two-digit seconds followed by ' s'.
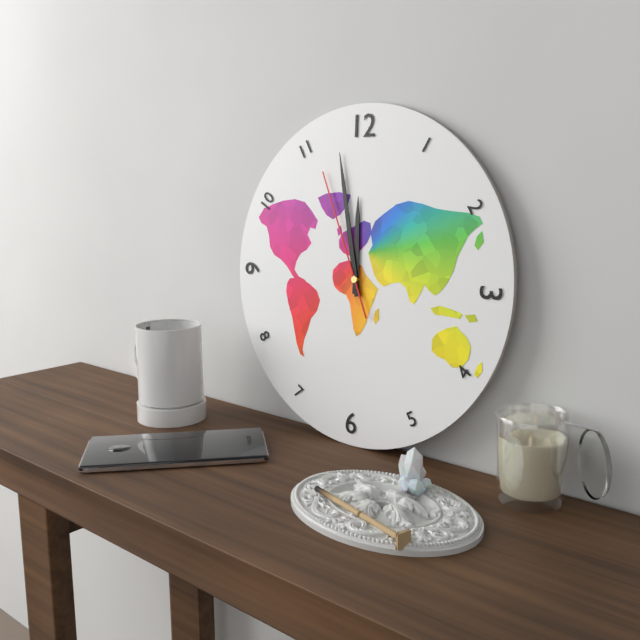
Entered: 11 h 58 min 56 s
